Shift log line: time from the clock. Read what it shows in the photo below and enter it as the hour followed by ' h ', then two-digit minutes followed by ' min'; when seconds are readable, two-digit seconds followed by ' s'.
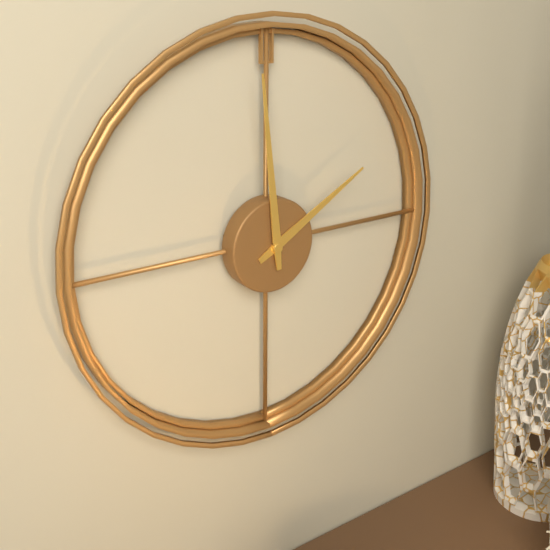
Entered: 1 h 59 min
